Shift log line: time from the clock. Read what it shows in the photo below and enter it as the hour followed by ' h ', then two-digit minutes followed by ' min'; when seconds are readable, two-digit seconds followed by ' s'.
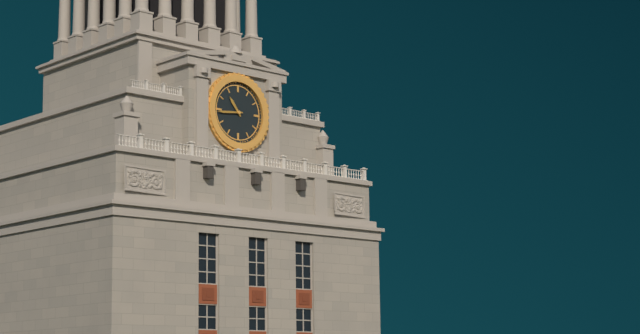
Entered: 10 h 44 min
